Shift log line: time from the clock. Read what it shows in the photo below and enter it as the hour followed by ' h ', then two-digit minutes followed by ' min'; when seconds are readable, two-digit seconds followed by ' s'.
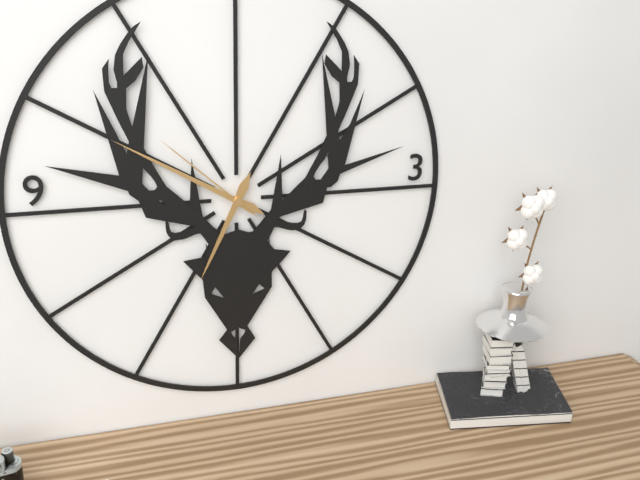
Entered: 6 h 50 min 52 s
